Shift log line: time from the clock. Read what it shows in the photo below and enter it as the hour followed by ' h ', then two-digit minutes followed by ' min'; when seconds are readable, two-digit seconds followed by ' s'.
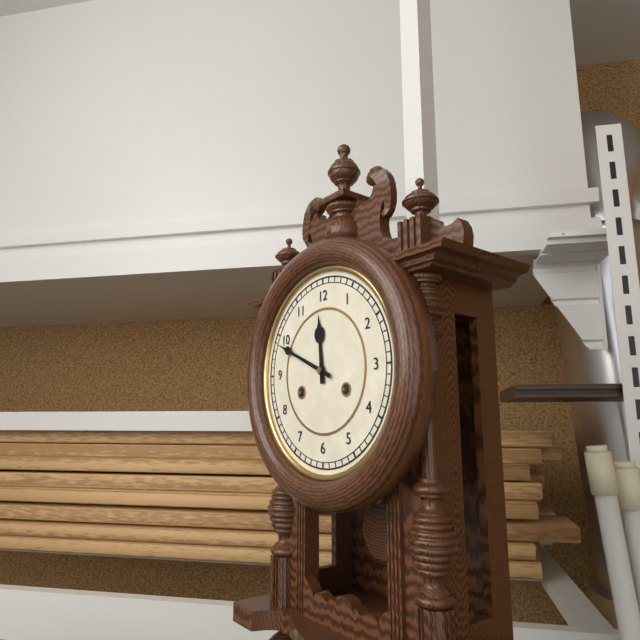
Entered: 11 h 49 min
